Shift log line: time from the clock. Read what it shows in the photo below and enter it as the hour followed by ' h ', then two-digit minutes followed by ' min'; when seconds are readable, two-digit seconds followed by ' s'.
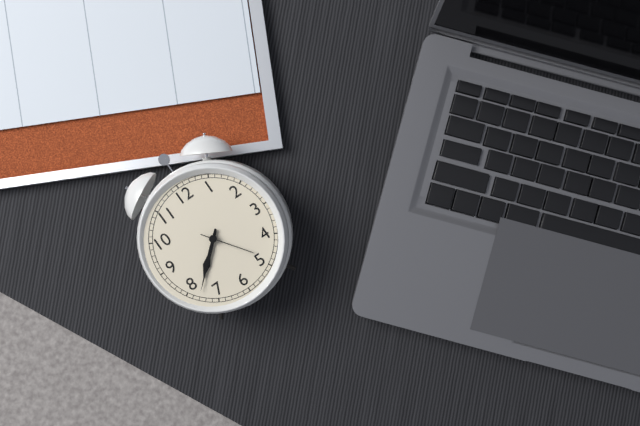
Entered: 7 h 38 min 24 s
